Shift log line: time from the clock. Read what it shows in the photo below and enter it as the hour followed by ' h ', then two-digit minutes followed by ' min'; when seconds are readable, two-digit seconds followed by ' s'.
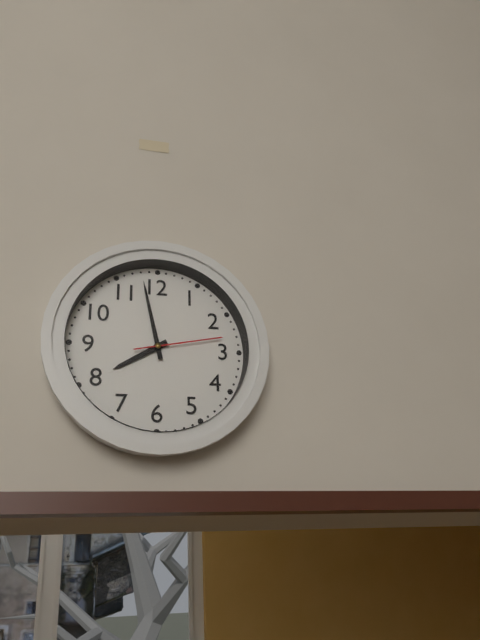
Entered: 7 h 58 min 13 s
